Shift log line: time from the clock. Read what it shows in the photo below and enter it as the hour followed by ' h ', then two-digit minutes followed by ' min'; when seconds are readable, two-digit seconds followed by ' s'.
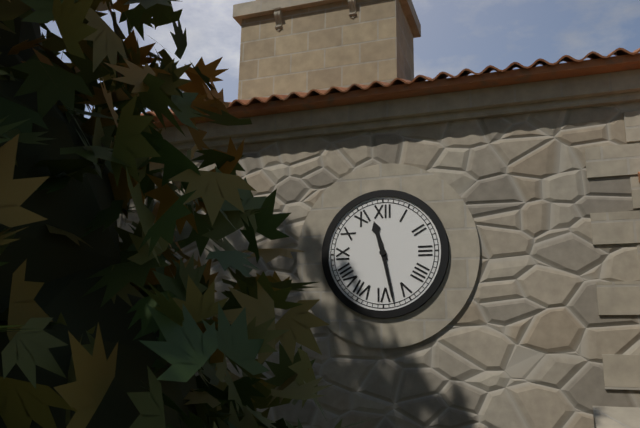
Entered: 11 h 28 min
